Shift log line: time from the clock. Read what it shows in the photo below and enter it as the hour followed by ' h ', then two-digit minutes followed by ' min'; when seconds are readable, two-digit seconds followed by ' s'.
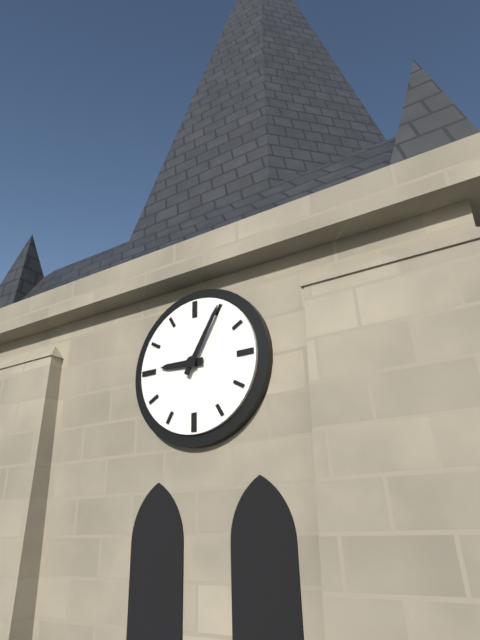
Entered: 9 h 05 min
